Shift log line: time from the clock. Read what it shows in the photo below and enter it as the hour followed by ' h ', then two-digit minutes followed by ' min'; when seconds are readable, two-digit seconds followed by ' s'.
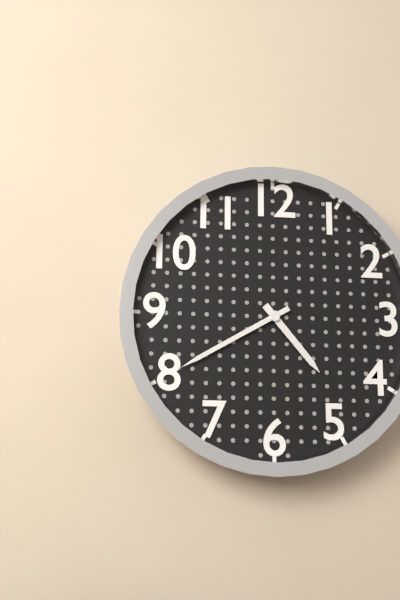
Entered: 4 h 40 min
